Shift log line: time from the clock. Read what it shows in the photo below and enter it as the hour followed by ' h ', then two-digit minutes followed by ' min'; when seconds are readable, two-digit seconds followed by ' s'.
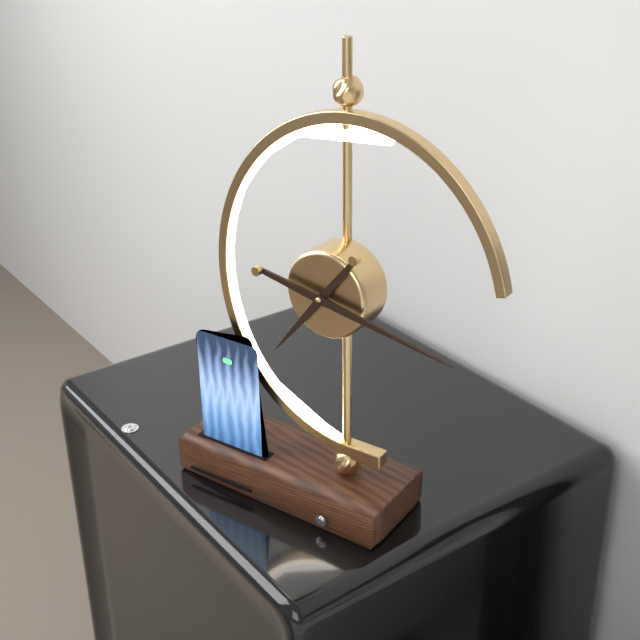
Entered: 7 h 17 min
